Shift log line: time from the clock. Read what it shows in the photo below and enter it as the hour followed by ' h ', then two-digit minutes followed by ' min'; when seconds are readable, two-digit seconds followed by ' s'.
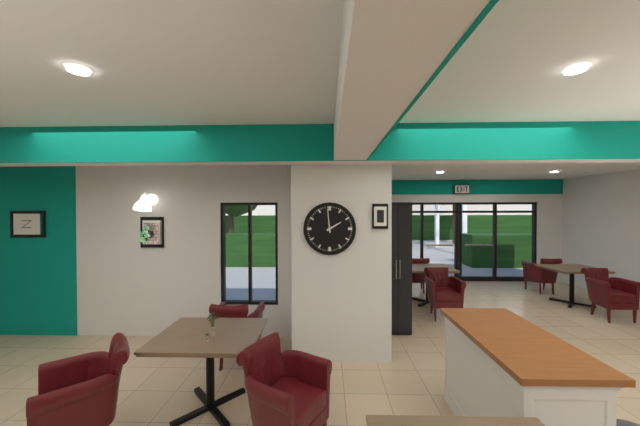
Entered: 1 h 59 min
